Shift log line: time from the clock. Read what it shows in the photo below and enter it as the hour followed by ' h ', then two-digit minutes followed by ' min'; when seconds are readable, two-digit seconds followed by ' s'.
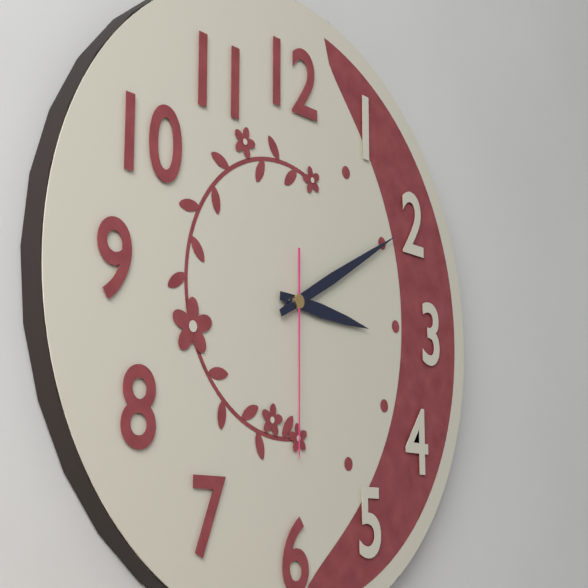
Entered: 3 h 10 min 30 s
